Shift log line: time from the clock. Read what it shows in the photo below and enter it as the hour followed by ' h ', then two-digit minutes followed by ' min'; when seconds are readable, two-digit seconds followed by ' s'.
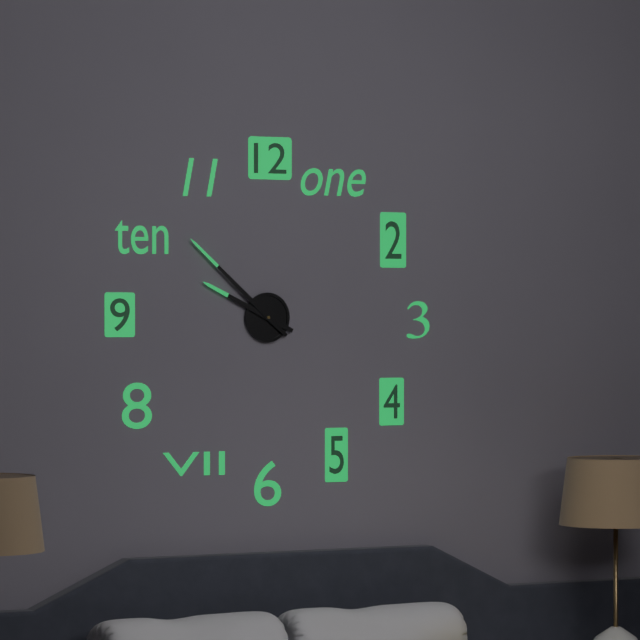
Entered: 9 h 52 min
